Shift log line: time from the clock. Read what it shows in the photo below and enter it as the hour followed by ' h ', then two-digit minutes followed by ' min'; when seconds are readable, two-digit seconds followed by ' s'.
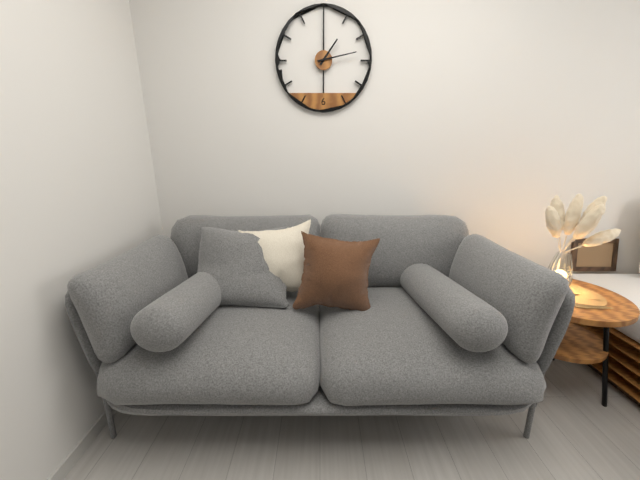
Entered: 1 h 13 min
